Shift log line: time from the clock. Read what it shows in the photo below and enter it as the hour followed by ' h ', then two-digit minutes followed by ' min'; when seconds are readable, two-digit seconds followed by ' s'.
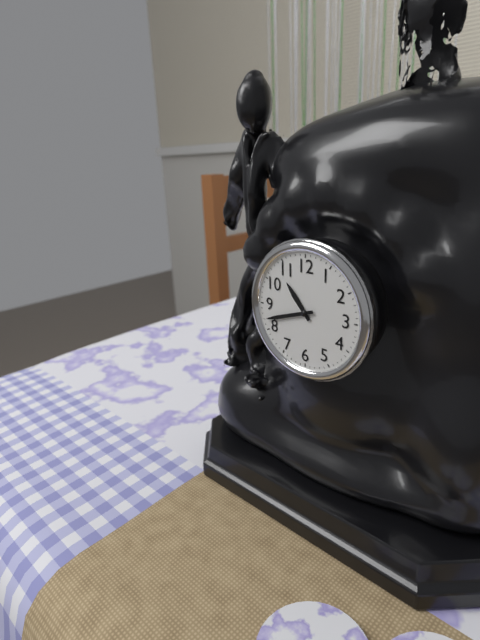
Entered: 10 h 42 min
